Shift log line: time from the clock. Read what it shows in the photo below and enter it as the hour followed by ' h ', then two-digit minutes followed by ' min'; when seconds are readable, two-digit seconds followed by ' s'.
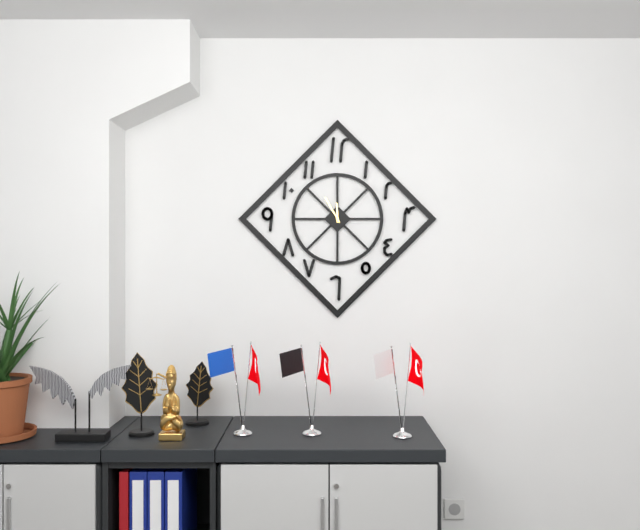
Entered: 11 h 55 min
